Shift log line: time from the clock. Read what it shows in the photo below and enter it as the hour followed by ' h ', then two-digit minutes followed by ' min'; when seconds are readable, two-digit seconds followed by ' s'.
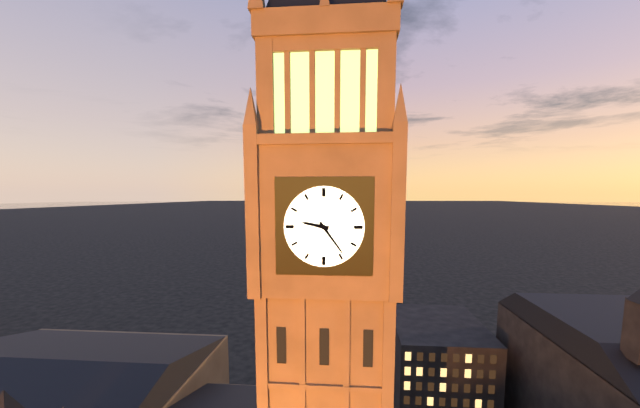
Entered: 9 h 24 min
